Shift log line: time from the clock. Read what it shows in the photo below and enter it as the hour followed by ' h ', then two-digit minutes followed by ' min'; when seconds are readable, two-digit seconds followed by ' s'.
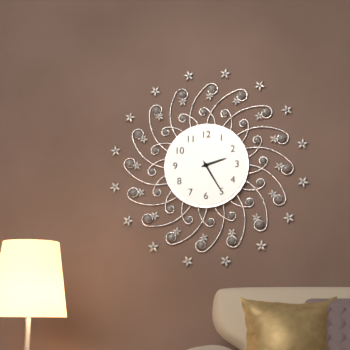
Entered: 2 h 25 min
